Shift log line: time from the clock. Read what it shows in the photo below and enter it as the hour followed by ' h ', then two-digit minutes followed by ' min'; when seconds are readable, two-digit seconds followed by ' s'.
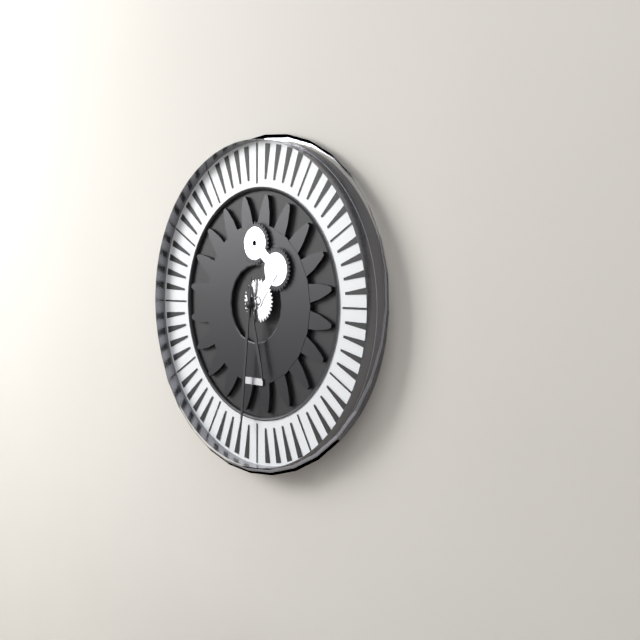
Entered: 5 h 31 min
